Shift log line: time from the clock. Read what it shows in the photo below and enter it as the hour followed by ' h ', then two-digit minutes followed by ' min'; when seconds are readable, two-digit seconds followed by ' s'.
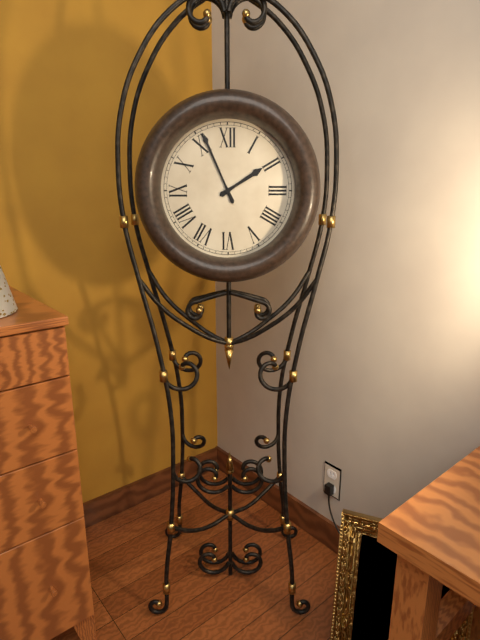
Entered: 1 h 56 min
